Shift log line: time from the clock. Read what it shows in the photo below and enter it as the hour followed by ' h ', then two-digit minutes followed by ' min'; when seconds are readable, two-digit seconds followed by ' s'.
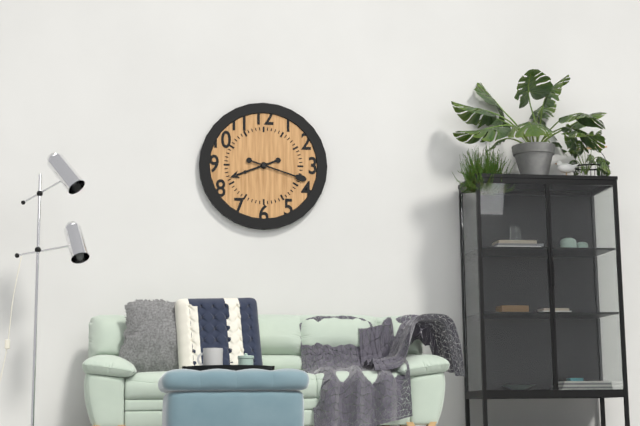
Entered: 8 h 18 min
